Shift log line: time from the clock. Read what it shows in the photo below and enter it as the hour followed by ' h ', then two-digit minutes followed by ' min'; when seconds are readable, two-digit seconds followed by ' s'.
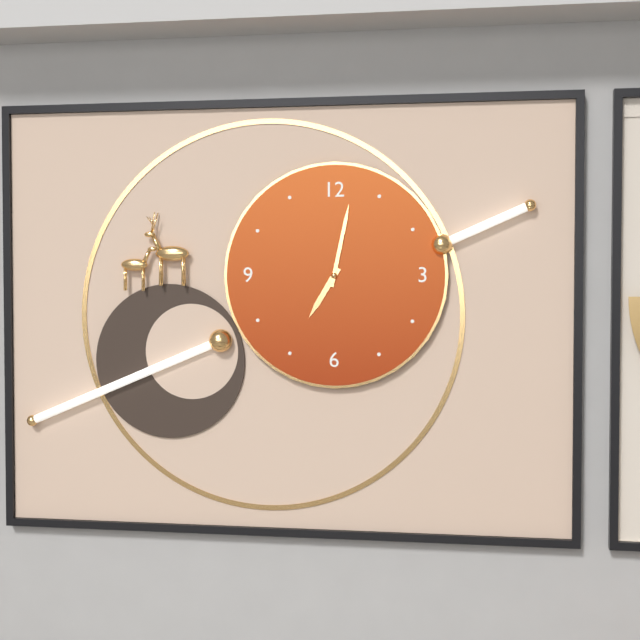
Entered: 7 h 02 min
